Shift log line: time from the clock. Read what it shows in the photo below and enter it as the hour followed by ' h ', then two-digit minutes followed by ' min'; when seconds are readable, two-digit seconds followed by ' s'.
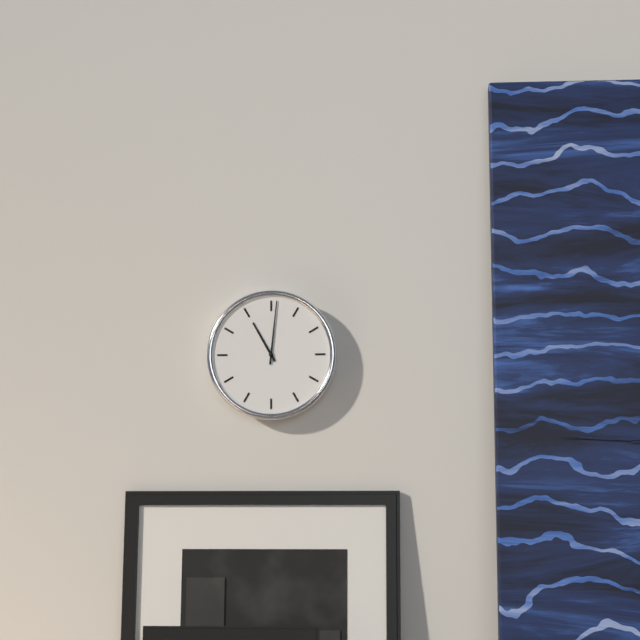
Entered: 11 h 01 min
